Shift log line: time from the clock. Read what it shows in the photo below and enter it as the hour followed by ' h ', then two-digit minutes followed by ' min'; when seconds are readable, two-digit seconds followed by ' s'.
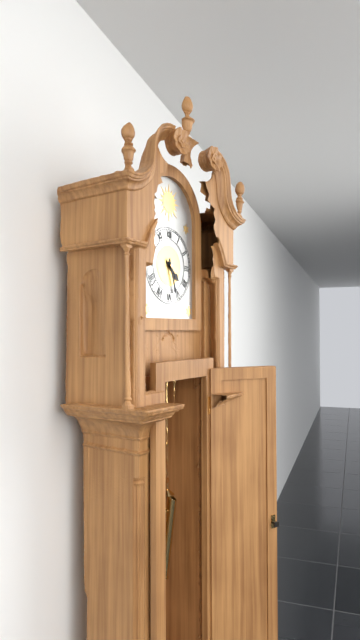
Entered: 4 h 27 min
